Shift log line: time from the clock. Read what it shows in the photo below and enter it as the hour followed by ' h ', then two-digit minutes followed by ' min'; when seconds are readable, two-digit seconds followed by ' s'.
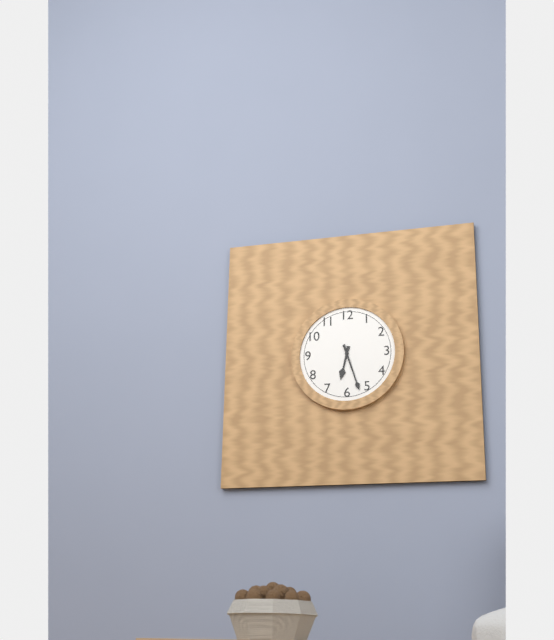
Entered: 6 h 27 min
